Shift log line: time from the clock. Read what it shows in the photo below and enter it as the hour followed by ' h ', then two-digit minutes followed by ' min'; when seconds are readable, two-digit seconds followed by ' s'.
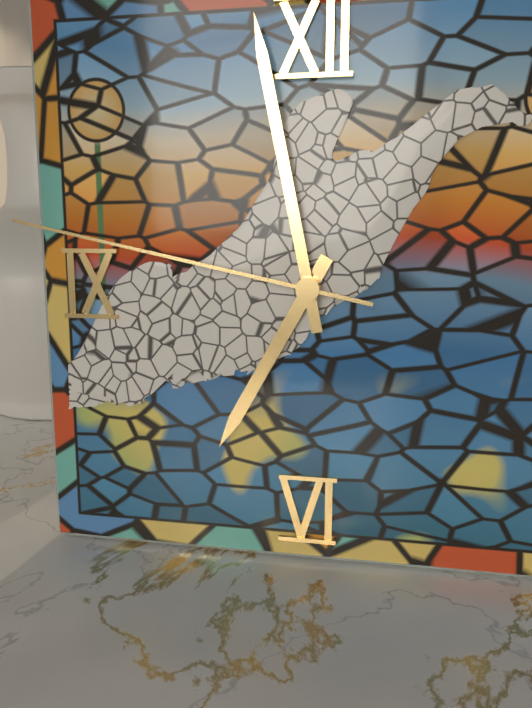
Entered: 6 h 58 min 47 s
